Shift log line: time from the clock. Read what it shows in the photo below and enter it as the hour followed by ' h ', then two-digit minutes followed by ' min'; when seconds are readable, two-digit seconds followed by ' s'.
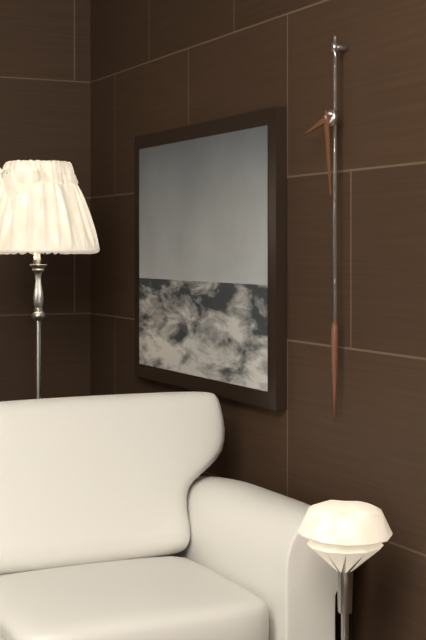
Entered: 8 h 29 min
